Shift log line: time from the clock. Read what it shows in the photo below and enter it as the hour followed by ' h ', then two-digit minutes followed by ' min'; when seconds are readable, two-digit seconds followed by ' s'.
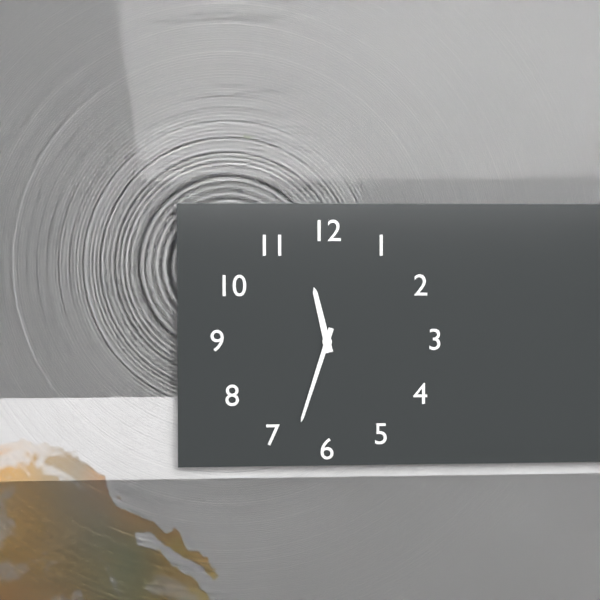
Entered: 11 h 33 min
